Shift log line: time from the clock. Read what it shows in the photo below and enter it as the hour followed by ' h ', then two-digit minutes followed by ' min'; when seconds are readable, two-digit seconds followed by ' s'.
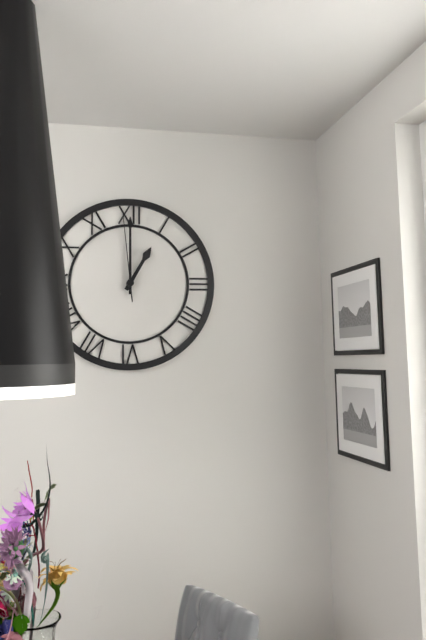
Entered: 1 h 00 min 59 s
